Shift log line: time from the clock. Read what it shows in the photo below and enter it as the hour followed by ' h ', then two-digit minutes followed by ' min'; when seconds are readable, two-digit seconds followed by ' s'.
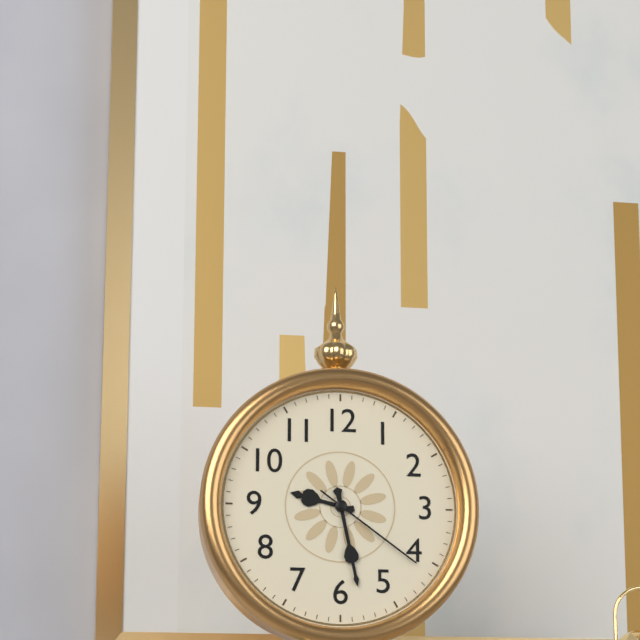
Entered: 9 h 28 min 21 s
